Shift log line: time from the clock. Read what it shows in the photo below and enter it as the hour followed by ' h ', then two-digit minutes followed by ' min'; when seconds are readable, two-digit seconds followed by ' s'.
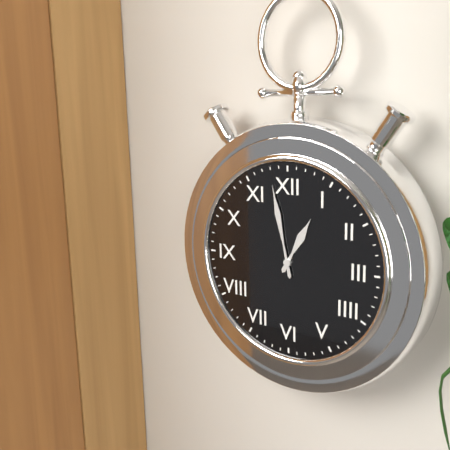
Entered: 12 h 58 min
